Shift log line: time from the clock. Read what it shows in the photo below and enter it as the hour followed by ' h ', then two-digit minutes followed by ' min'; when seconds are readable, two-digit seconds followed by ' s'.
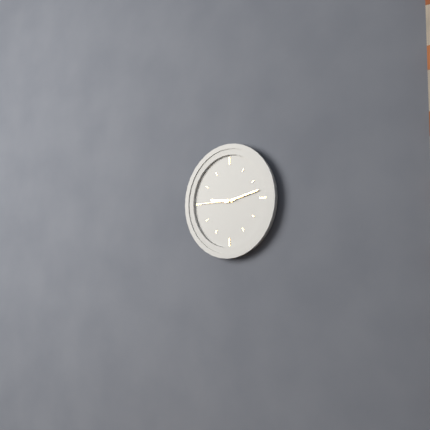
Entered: 9 h 13 min
